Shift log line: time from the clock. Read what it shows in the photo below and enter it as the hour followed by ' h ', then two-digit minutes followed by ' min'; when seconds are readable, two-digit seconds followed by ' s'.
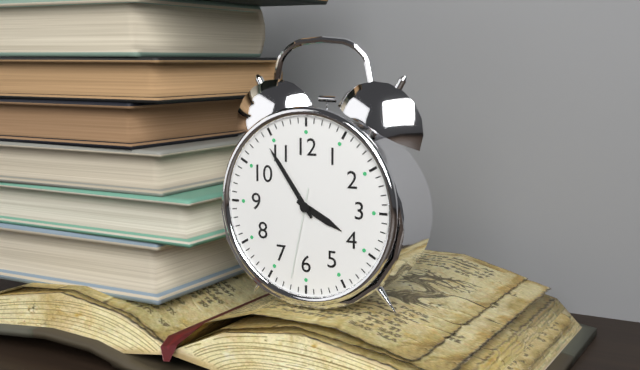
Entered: 3 h 54 min 32 s
